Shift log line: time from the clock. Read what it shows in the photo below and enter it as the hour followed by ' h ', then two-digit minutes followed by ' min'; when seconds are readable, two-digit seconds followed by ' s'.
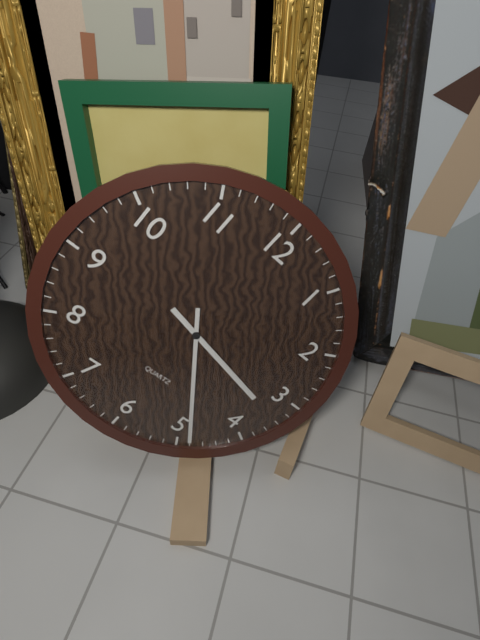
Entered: 3 h 24 min
